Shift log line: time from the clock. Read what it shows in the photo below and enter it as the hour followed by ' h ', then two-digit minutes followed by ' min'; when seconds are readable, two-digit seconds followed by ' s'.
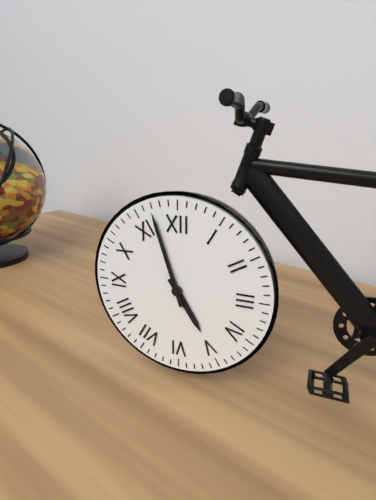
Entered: 4 h 57 min
